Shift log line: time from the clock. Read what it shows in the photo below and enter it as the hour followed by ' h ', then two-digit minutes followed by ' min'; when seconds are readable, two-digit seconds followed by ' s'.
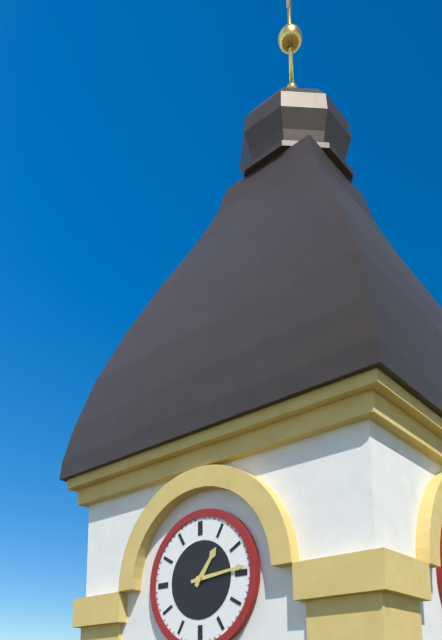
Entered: 1 h 14 min
